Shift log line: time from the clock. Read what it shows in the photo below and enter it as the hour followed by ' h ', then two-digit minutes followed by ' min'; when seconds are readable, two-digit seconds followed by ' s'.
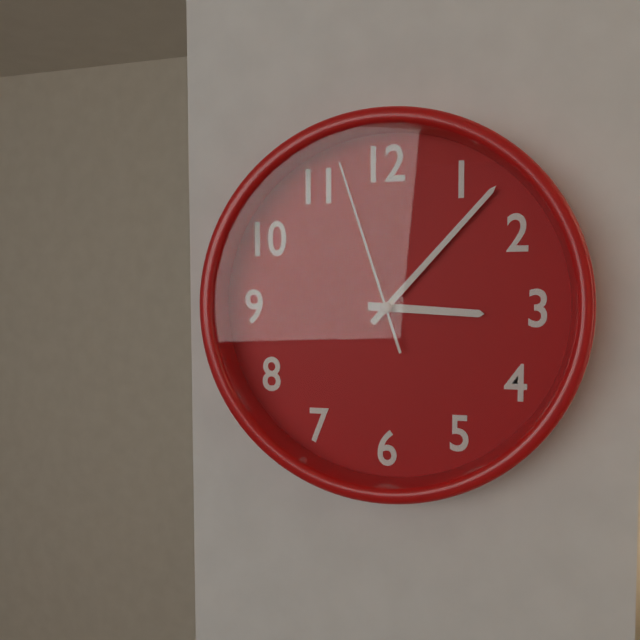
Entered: 3 h 07 min 57 s
